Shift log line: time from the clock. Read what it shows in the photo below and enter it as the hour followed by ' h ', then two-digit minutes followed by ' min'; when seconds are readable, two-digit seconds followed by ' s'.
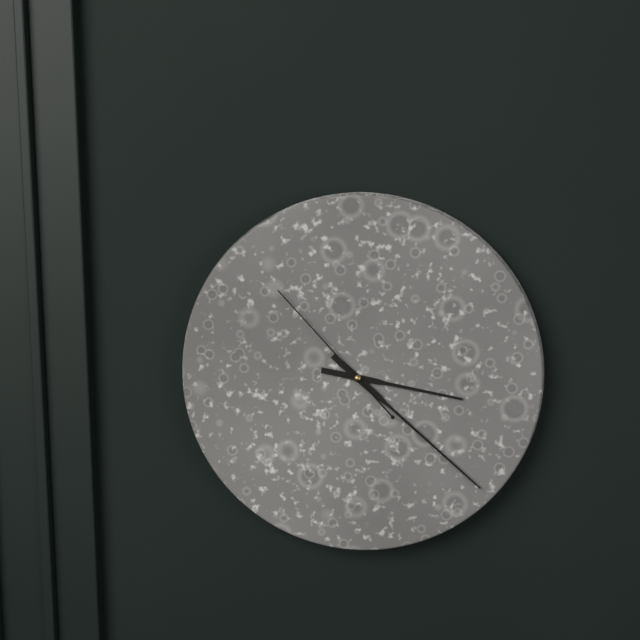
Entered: 3 h 22 min 53 s
